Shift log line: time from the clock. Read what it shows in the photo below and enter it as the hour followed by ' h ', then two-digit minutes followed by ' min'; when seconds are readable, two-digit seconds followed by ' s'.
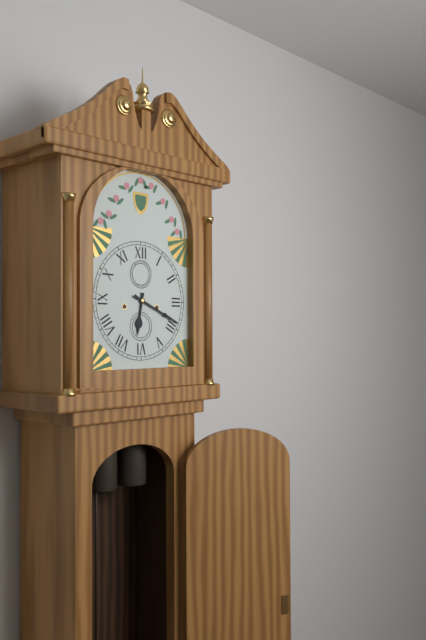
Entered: 6 h 19 min
